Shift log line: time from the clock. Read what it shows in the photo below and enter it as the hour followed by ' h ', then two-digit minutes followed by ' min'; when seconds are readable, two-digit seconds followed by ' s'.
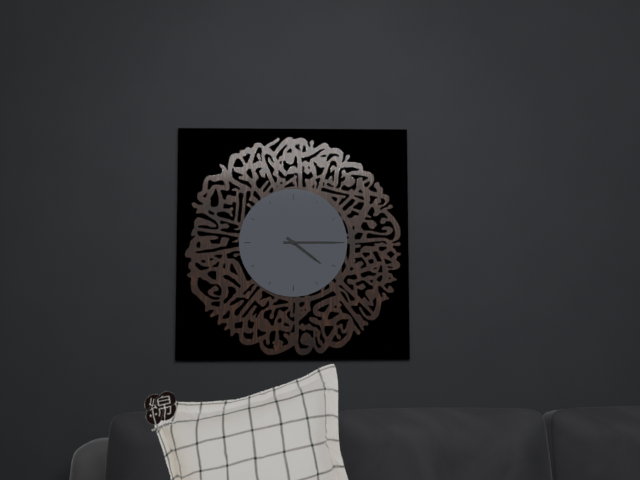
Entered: 4 h 15 min
